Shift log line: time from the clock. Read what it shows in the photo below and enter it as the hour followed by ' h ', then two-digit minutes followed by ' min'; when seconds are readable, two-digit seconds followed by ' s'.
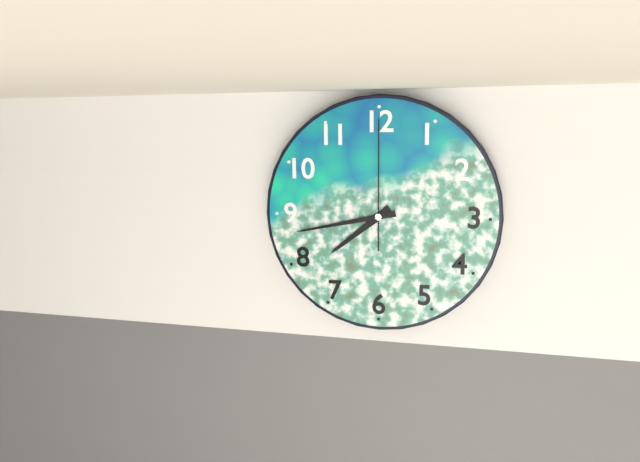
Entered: 7 h 43 min 00 s
